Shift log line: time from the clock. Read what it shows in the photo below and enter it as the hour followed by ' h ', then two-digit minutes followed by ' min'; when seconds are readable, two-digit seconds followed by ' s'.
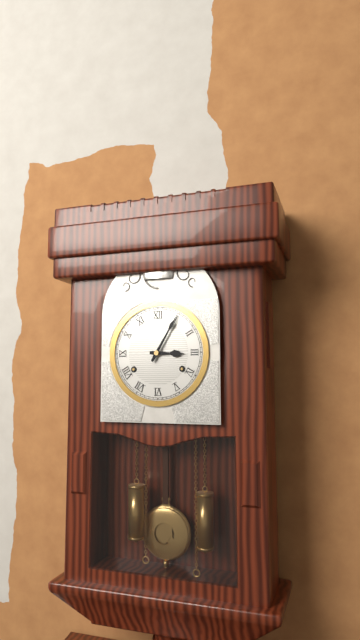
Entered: 3 h 05 min
